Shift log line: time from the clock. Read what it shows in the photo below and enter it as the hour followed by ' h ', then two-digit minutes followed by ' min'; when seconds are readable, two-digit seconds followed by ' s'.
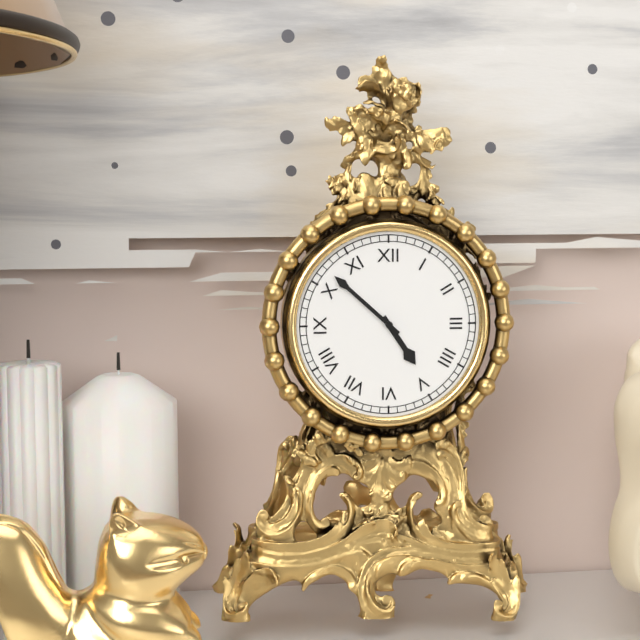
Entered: 4 h 52 min
